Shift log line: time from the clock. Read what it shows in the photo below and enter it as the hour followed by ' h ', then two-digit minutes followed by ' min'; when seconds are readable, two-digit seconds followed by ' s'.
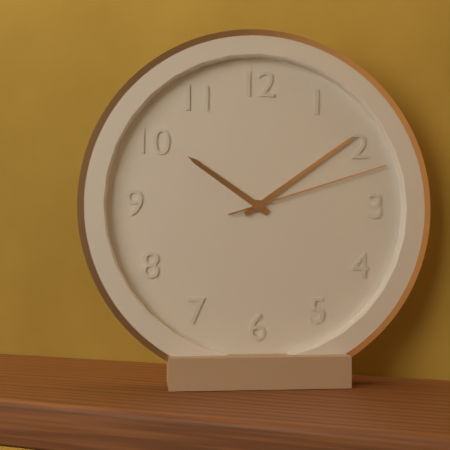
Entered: 10 h 09 min 12 s
